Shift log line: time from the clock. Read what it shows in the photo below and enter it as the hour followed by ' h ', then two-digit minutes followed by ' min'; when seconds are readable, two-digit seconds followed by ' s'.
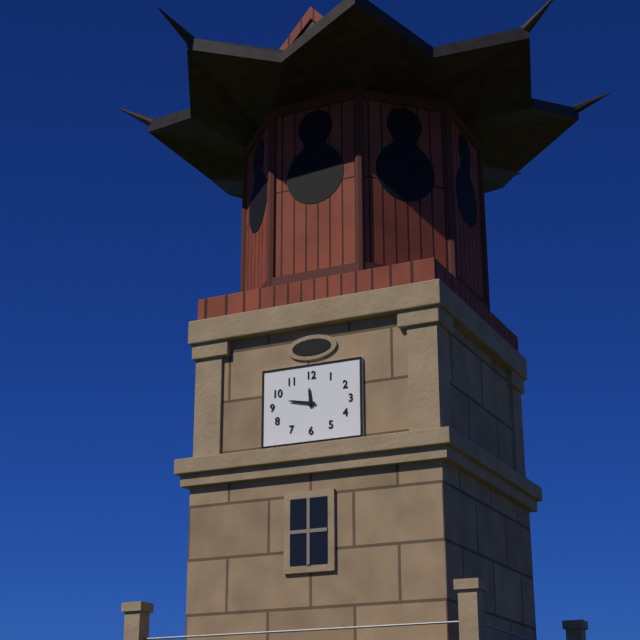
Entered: 11 h 47 min
